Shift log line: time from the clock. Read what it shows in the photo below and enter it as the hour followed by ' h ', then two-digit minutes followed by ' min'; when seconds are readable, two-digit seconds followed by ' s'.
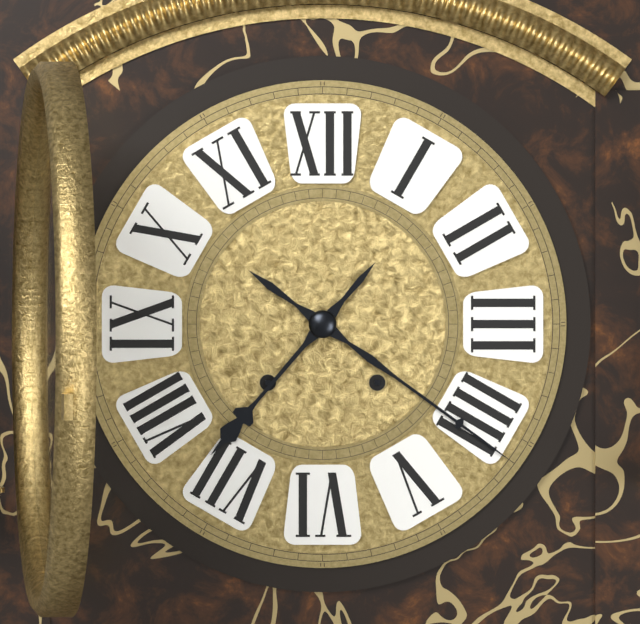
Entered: 7 h 21 min
